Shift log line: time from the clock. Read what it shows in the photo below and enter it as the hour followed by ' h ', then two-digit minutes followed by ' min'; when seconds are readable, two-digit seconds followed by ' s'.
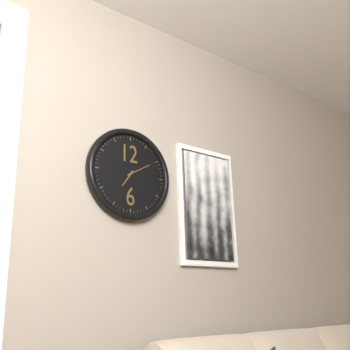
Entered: 7 h 10 min
